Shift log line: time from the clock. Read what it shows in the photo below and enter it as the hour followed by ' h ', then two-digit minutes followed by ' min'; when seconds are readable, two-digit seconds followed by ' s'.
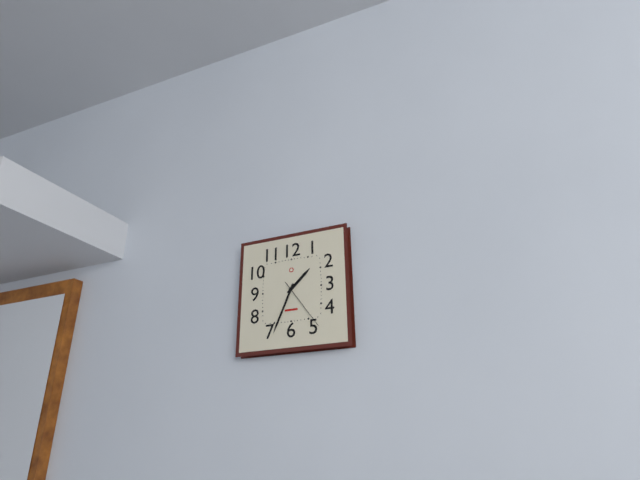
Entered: 1 h 34 min 24 s
